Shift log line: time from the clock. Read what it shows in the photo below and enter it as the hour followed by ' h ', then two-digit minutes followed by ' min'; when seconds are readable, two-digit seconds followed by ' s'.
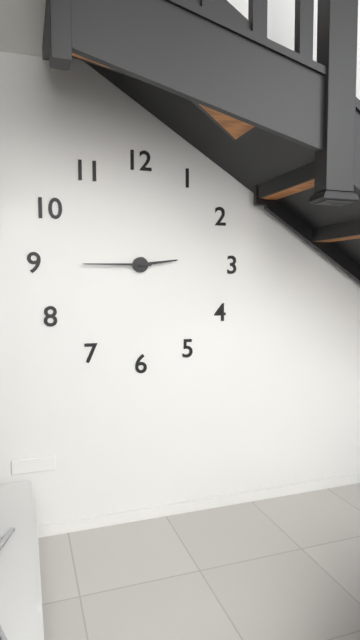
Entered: 2 h 45 min
